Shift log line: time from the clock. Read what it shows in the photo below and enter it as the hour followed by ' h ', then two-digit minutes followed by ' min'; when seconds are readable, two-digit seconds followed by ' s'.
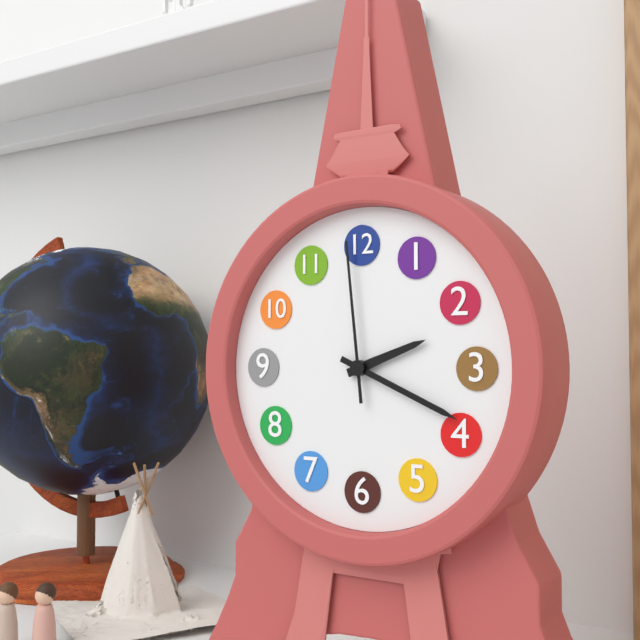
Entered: 2 h 19 min 59 s
